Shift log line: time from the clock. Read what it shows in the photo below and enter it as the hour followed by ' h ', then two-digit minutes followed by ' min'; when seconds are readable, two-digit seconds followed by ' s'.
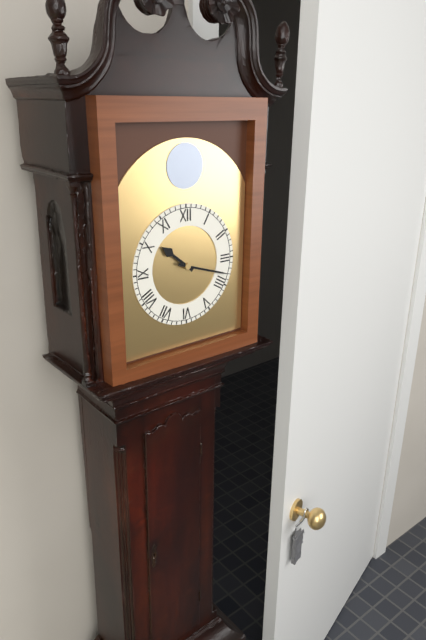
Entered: 10 h 18 min
